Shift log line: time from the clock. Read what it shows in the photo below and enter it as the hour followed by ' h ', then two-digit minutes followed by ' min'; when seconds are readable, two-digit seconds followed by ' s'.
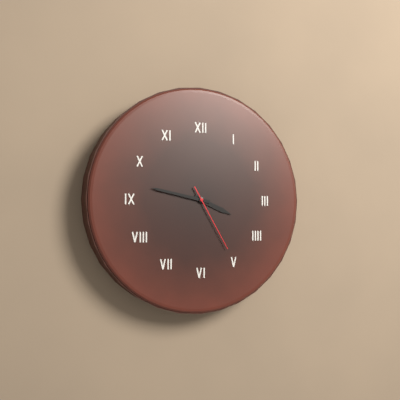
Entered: 3 h 47 min 25 s
